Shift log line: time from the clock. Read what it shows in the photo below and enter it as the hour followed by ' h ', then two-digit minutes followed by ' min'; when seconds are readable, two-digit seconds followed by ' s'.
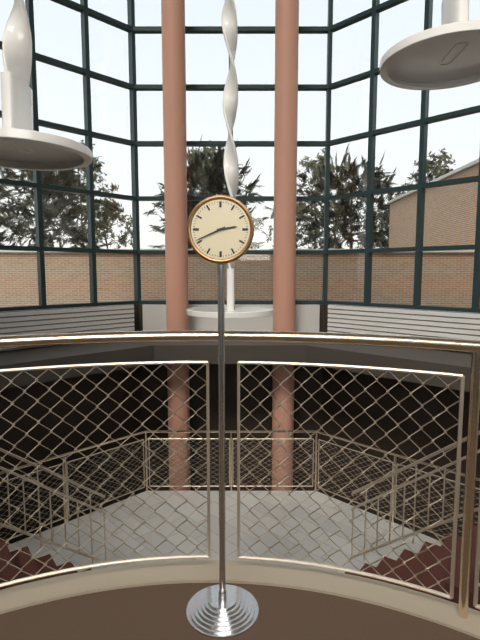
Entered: 2 h 41 min
